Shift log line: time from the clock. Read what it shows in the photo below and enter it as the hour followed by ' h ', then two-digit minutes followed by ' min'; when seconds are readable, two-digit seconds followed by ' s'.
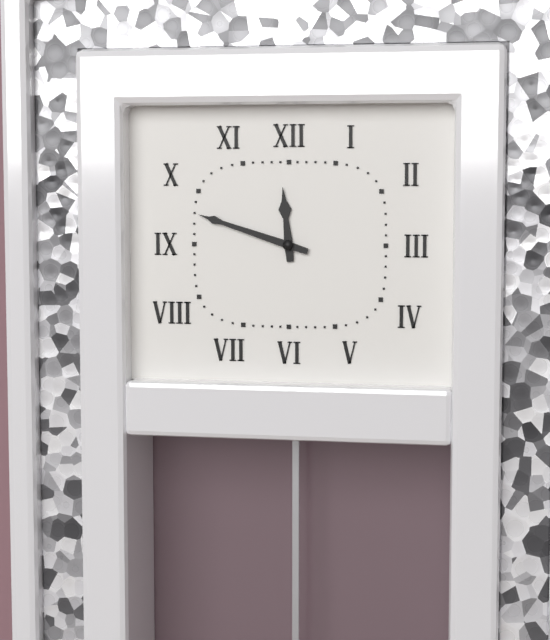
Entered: 11 h 48 min
